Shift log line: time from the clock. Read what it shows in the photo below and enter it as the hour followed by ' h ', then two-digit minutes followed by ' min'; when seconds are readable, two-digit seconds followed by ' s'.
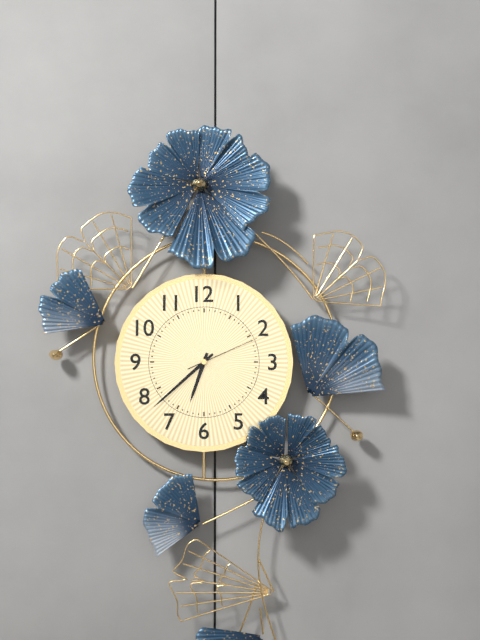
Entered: 6 h 38 min 11 s
